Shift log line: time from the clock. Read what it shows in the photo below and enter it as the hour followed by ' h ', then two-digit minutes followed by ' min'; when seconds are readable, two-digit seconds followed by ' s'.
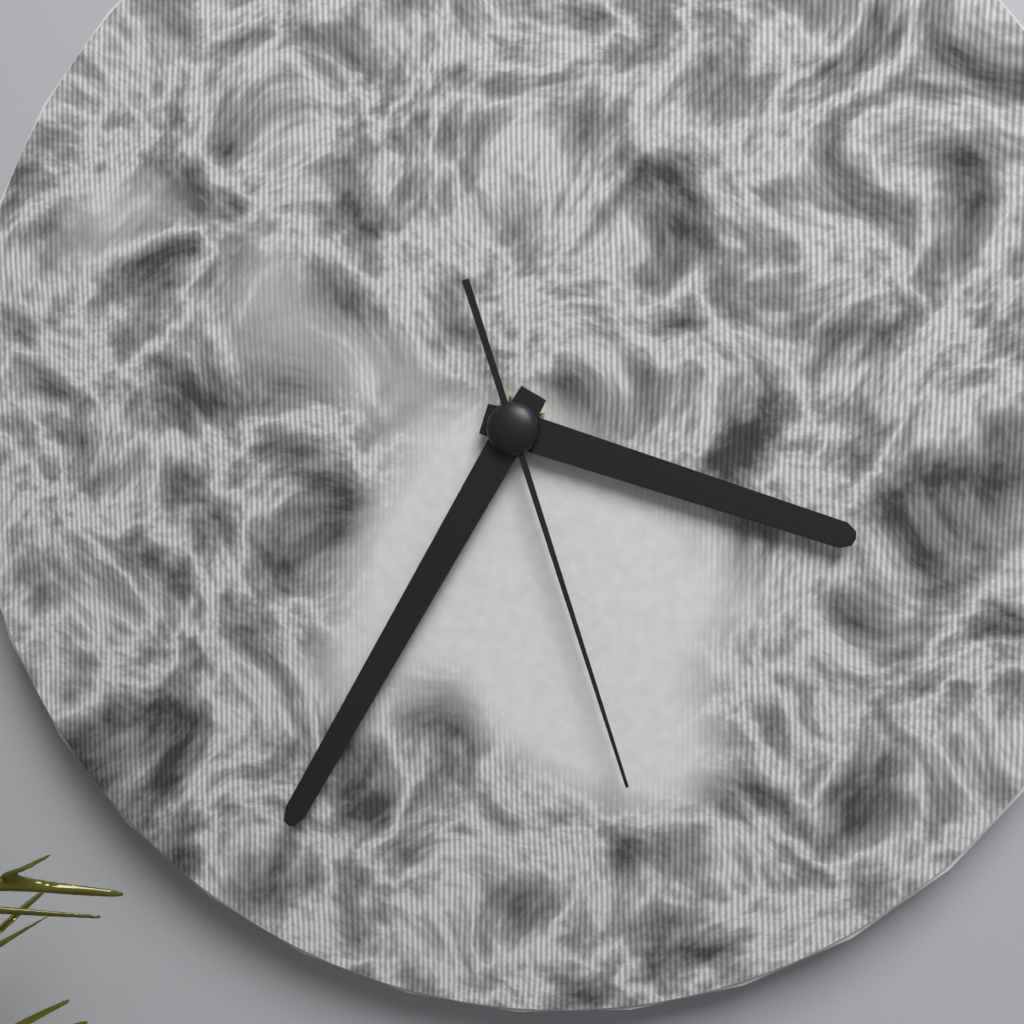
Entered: 3 h 35 min 27 s
